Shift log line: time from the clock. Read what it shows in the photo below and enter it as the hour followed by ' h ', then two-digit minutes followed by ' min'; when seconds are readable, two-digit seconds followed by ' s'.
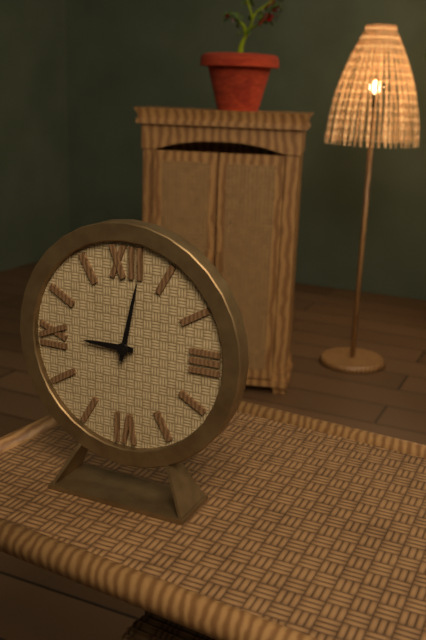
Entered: 9 h 02 min
